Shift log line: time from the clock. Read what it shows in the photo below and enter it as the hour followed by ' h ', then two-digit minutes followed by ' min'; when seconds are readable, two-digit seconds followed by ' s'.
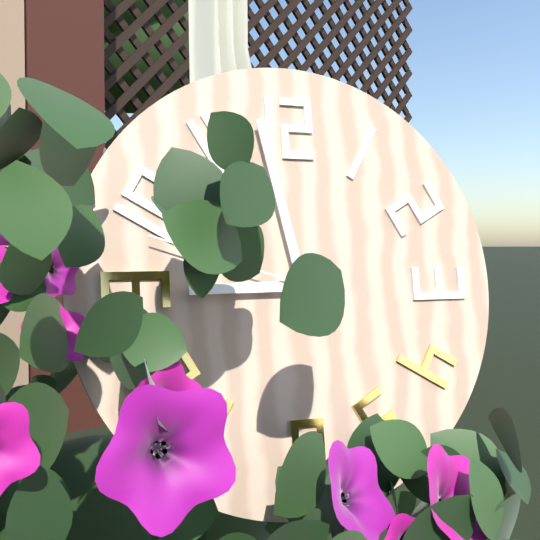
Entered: 8 h 58 min
